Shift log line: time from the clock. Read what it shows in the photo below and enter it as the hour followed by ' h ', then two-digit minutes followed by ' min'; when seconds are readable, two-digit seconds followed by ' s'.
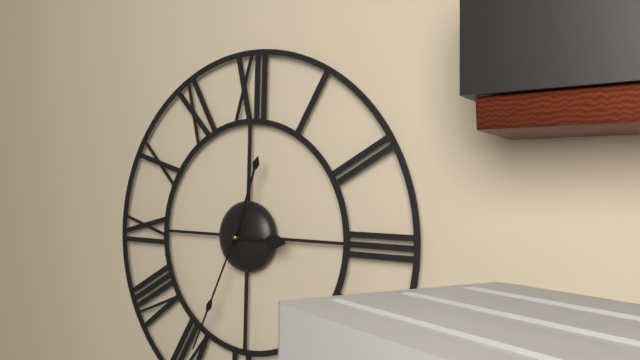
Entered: 3 h 03 min 34 s
